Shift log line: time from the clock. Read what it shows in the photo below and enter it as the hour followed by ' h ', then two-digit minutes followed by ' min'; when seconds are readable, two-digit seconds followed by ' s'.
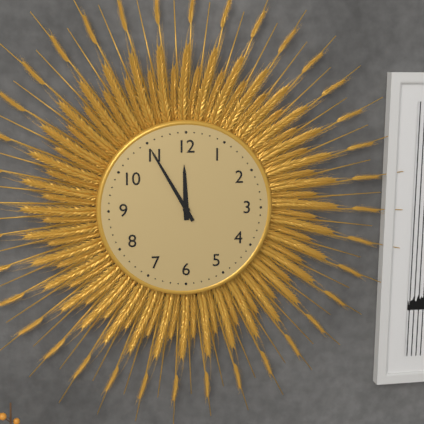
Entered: 11 h 55 min
